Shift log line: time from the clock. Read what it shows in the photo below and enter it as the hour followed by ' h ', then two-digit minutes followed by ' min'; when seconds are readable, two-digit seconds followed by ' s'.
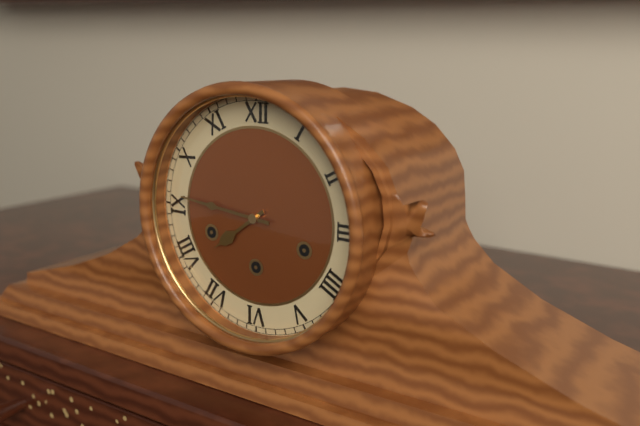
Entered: 7 h 46 min
